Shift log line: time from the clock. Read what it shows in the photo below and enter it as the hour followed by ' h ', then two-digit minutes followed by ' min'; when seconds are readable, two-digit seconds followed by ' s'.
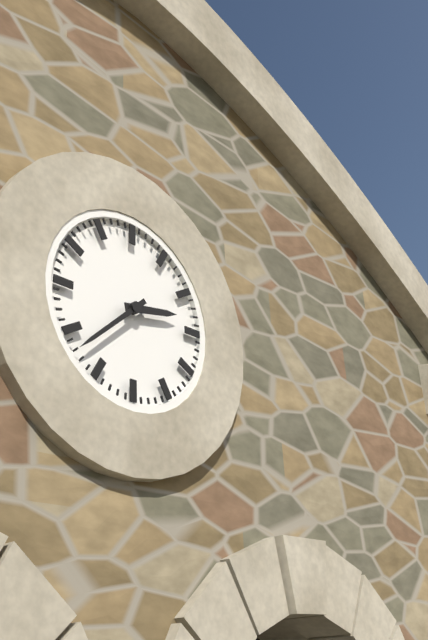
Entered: 2 h 38 min
